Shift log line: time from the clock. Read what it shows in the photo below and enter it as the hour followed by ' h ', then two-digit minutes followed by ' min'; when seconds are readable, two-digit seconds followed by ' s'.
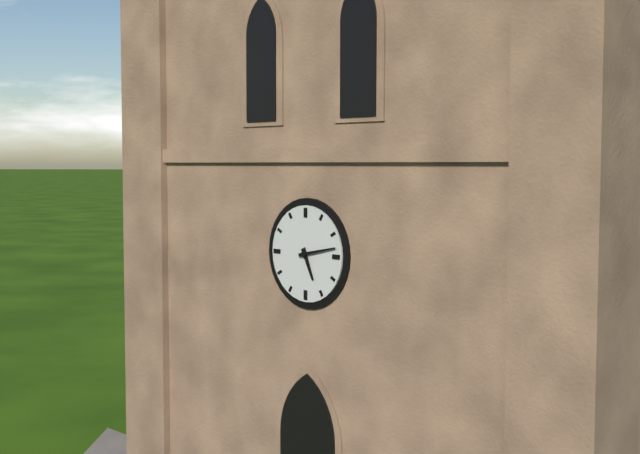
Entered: 5 h 13 min
